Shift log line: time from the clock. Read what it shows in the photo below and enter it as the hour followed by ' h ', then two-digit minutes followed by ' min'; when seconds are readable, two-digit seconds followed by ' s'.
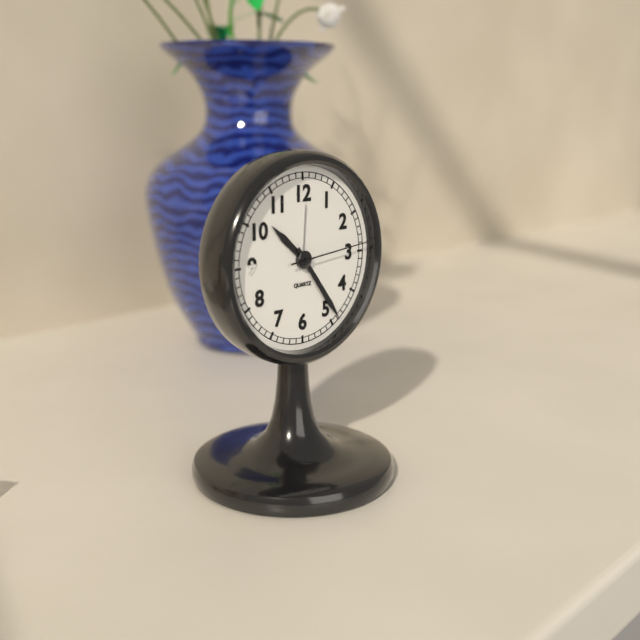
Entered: 10 h 24 min 14 s
